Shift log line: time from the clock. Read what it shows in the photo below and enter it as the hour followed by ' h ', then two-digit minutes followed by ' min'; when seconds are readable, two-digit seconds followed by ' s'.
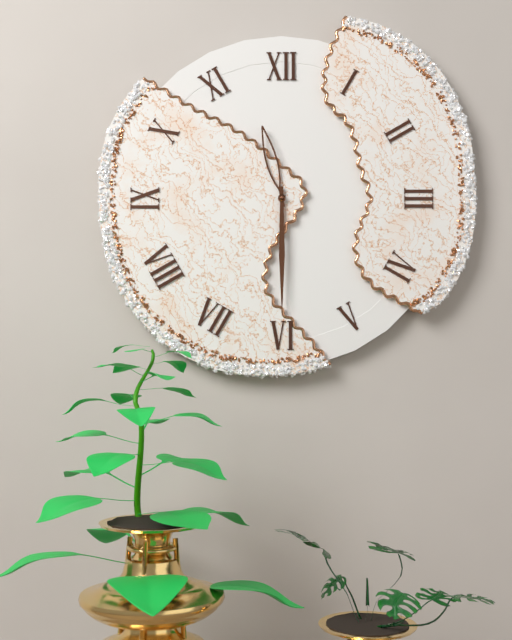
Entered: 11 h 30 min
